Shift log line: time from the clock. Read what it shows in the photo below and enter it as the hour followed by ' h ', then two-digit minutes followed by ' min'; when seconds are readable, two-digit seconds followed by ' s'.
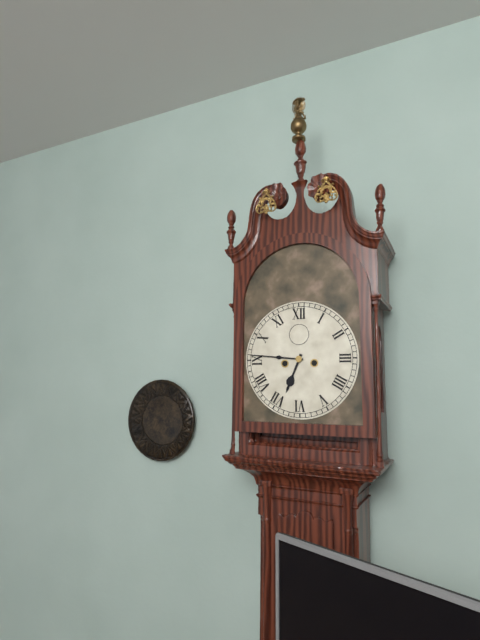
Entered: 6 h 46 min
